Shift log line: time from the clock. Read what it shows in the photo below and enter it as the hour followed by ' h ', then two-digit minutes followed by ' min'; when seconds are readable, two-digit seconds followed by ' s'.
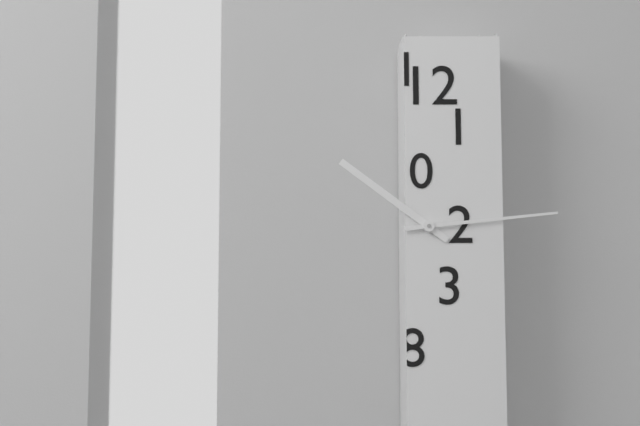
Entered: 10 h 14 min
